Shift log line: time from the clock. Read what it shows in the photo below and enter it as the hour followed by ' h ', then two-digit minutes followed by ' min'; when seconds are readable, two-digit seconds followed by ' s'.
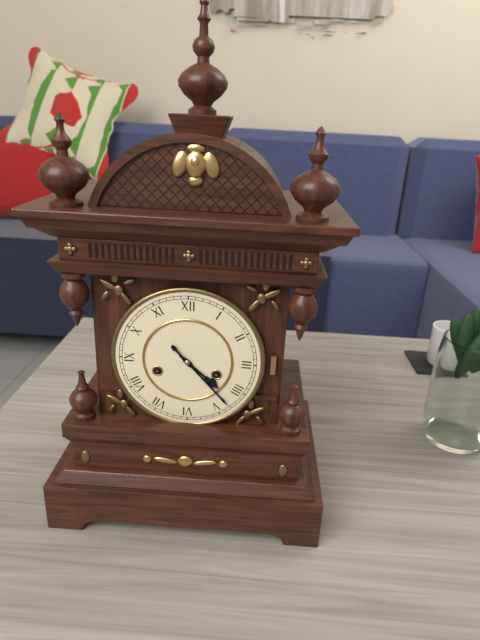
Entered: 4 h 23 min
